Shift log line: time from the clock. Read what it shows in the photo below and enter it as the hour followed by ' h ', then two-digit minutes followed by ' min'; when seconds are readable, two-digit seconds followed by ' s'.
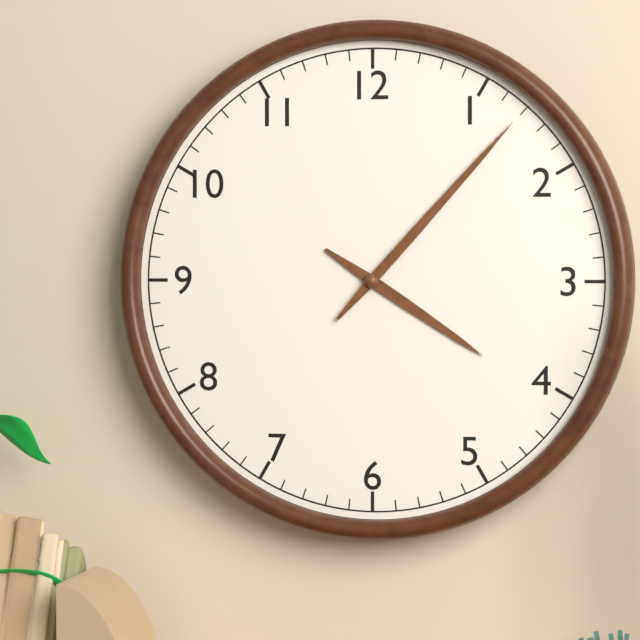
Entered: 4 h 07 min
